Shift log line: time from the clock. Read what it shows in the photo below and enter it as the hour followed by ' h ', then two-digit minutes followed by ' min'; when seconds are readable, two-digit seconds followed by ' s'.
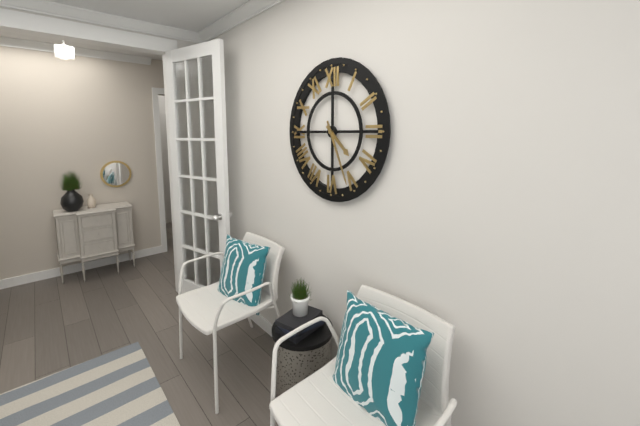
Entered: 4 h 26 min
